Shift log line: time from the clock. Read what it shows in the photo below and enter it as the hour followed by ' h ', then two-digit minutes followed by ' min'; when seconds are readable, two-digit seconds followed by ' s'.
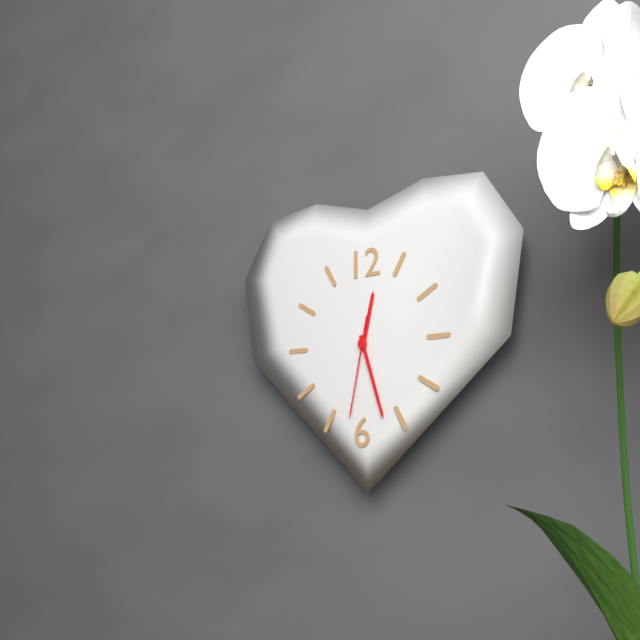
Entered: 12 h 27 min 32 s
